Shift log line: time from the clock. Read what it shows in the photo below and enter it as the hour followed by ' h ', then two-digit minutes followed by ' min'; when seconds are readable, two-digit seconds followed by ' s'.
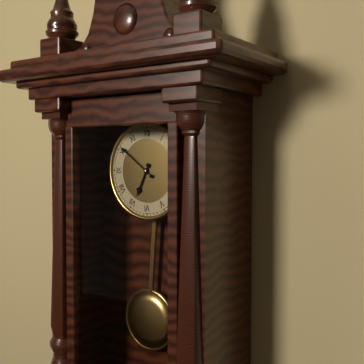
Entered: 6 h 51 min
